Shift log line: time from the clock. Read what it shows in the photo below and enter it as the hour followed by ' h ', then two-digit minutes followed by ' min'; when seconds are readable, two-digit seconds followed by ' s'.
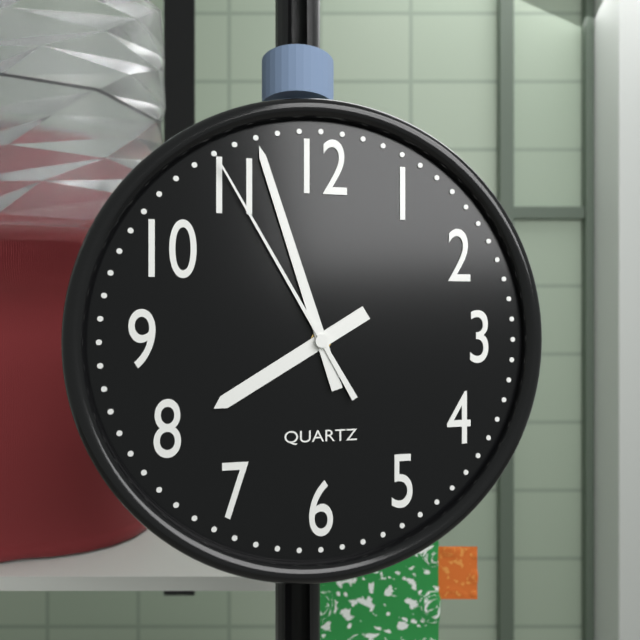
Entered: 7 h 57 min 55 s
